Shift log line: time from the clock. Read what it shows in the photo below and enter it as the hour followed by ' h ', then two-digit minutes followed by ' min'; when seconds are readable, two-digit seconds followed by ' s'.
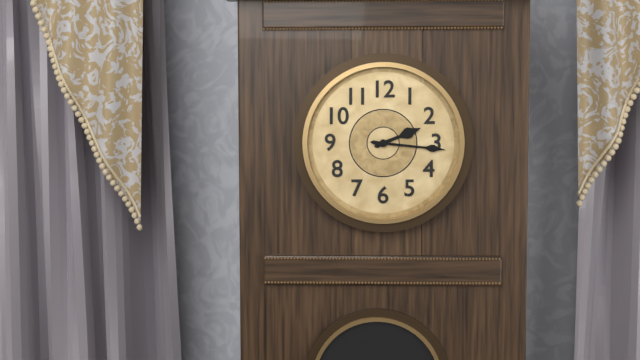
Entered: 2 h 16 min
